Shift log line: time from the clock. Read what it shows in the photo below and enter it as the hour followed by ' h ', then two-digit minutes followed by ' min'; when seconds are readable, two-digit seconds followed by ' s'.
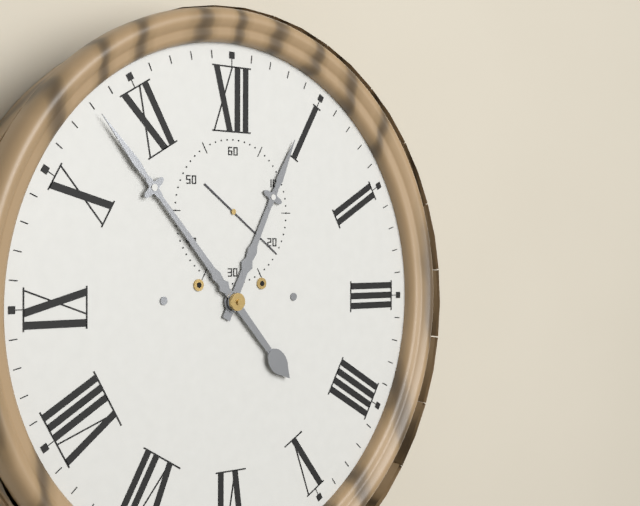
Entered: 12 h 53 min 21 s
